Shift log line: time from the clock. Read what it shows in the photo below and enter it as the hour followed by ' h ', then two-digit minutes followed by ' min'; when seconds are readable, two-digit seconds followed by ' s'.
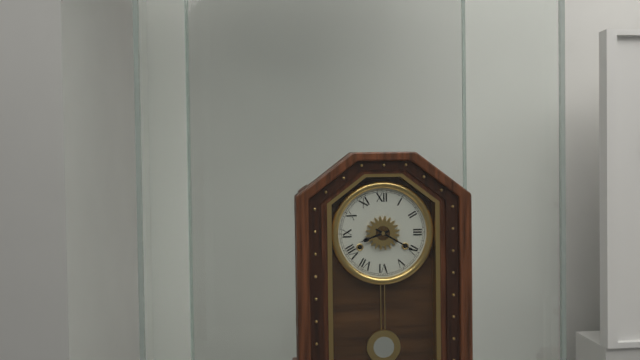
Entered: 8 h 20 min
